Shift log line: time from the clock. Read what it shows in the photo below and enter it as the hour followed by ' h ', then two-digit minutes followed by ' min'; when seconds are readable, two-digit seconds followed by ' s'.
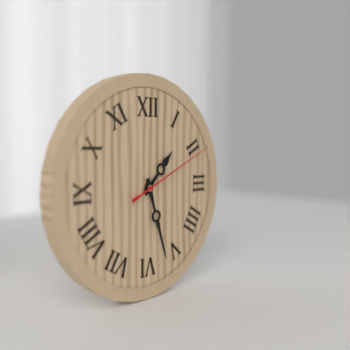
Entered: 1 h 27 min 11 s
